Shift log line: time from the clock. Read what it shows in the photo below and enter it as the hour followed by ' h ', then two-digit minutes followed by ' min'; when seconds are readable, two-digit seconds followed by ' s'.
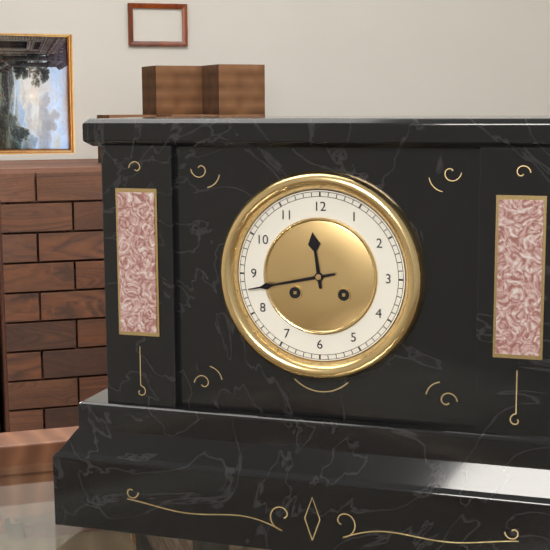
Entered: 11 h 43 min
